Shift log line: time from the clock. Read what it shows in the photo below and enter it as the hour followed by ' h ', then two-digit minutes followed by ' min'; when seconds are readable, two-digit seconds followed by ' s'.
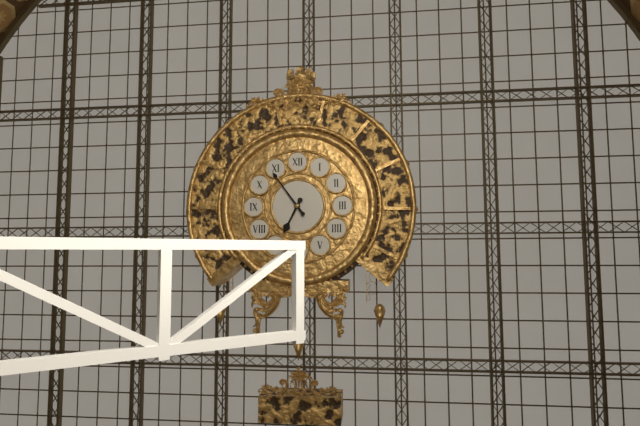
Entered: 6 h 54 min
